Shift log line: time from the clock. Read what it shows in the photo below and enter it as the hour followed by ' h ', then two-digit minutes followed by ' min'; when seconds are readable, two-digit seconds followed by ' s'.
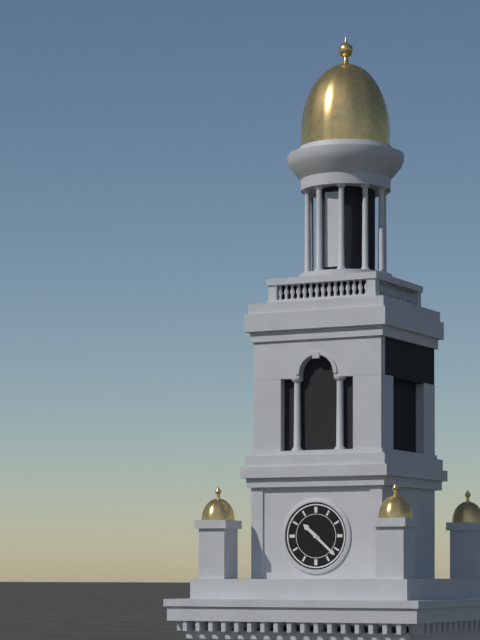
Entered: 10 h 22 min
